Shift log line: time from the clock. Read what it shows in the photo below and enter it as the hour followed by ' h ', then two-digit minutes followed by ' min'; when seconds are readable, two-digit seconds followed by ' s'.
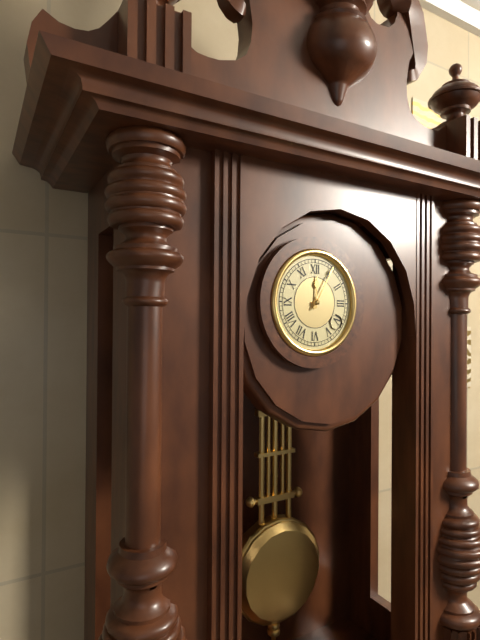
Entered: 12 h 05 min
